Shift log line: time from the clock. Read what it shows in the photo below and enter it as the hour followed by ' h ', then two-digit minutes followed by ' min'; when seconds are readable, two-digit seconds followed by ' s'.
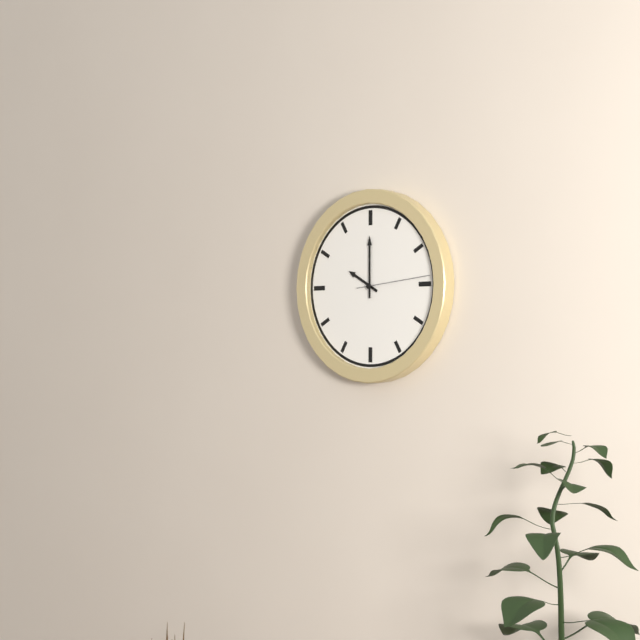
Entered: 10 h 00 min 14 s
